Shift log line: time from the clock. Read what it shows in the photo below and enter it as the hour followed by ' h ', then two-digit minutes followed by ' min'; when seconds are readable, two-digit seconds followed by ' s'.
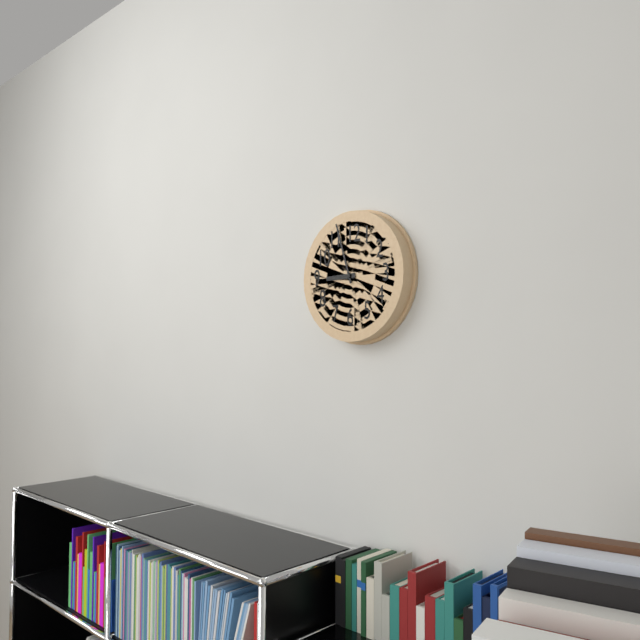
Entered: 8 h 57 min
